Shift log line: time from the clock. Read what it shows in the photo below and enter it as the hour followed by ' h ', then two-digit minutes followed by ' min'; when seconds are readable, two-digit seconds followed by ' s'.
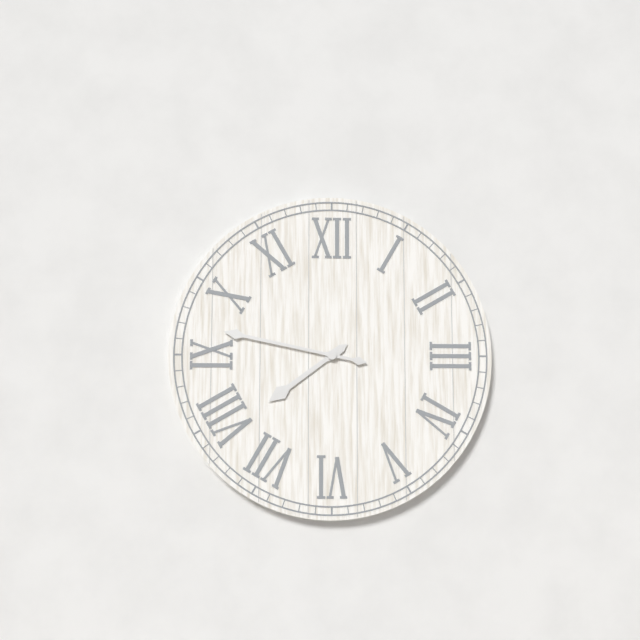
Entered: 7 h 47 min
